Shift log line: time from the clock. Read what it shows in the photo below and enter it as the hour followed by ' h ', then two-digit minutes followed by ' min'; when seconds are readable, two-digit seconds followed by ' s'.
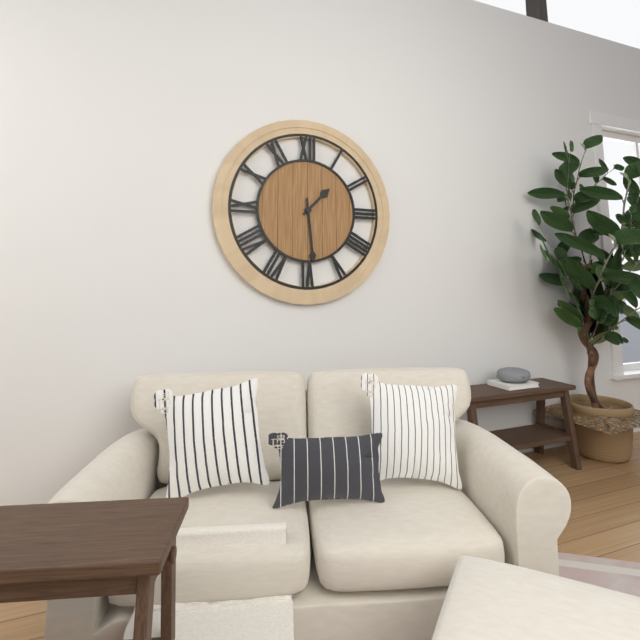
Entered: 1 h 29 min
